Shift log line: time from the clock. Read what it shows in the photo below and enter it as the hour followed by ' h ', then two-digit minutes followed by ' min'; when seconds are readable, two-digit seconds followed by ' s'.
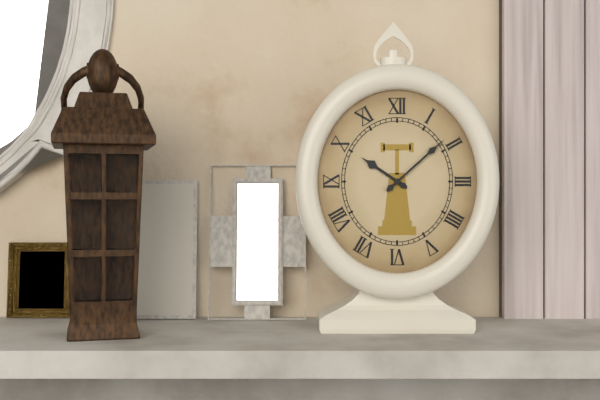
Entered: 10 h 08 min
